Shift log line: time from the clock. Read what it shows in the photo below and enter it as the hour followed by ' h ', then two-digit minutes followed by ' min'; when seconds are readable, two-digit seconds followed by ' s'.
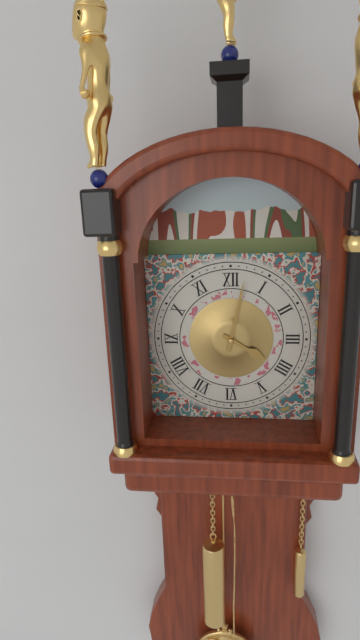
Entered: 4 h 02 min
